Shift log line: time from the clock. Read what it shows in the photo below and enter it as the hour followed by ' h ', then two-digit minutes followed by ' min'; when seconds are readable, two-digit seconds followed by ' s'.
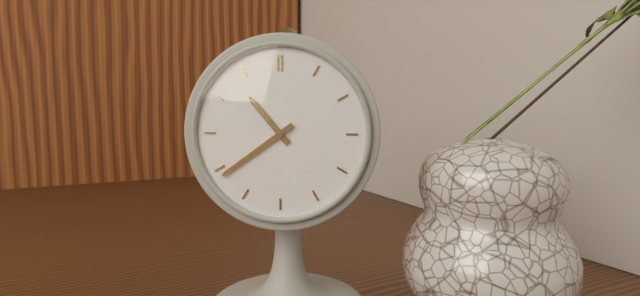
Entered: 10 h 39 min
